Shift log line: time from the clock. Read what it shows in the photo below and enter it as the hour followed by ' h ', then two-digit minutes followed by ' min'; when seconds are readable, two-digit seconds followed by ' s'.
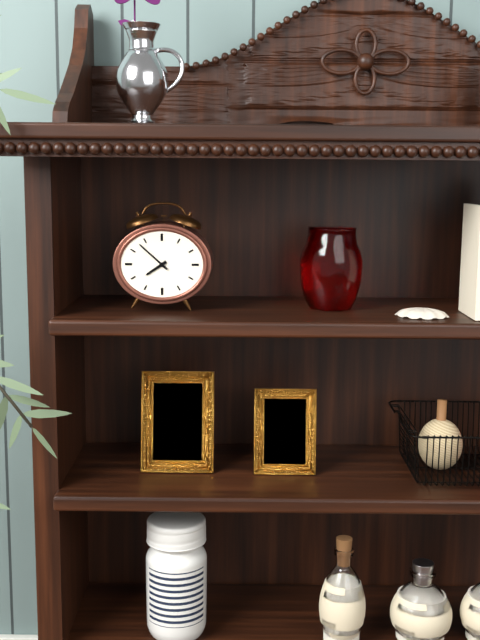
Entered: 7 h 52 min
